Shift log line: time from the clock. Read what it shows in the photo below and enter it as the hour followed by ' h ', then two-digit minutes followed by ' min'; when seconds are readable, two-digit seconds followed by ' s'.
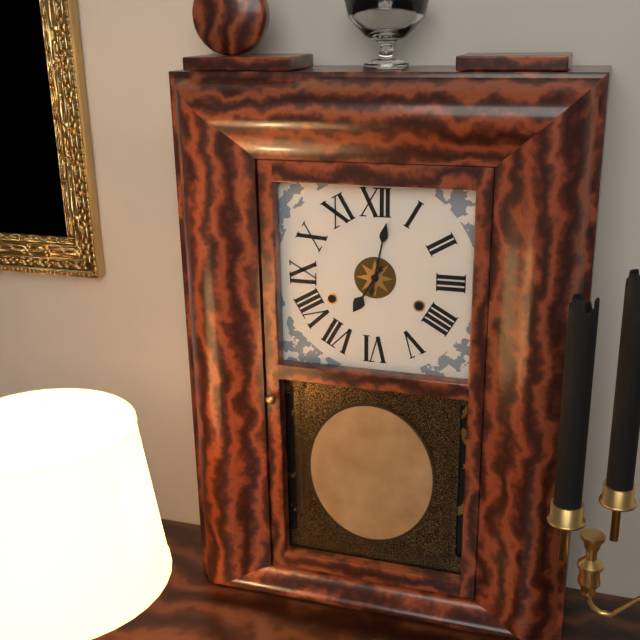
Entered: 7 h 02 min
